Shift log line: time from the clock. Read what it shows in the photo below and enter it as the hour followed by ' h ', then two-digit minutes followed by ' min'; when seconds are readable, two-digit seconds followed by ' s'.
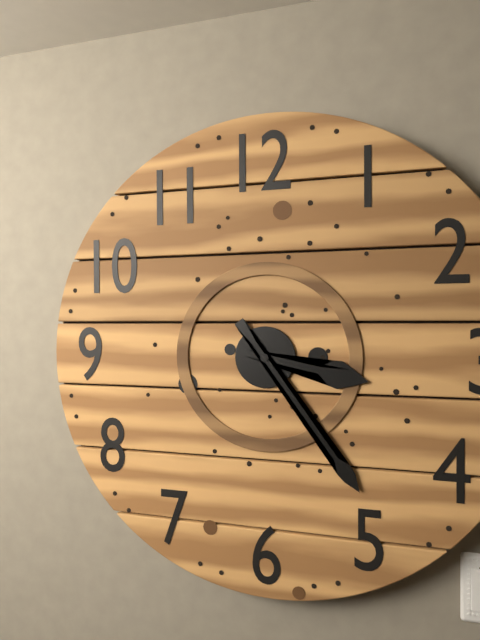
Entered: 3 h 24 min
